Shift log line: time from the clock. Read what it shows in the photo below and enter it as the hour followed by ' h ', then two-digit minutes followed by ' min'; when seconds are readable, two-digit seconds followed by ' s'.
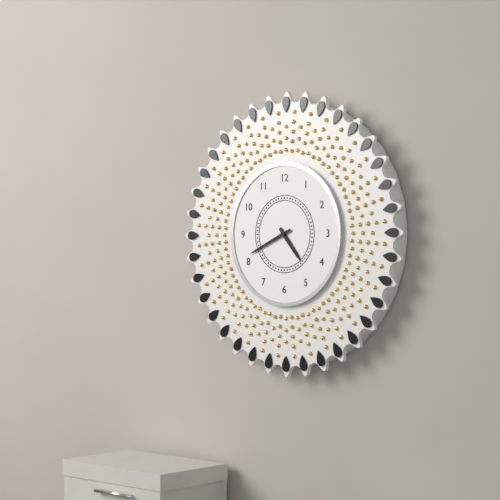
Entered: 4 h 41 min
